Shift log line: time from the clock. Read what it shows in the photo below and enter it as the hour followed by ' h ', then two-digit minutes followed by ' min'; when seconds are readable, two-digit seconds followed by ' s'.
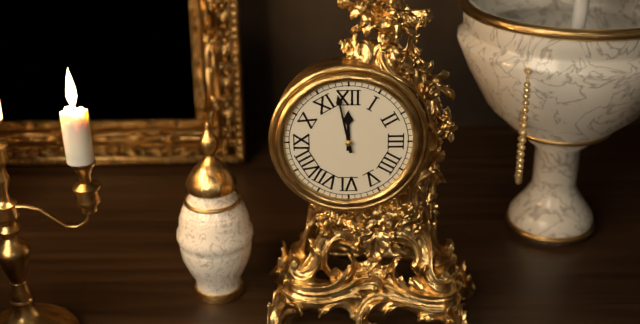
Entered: 11 h 58 min
